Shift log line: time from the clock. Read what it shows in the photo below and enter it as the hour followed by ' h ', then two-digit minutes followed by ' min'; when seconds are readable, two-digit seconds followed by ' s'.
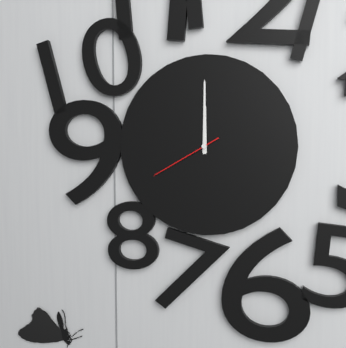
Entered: 12 h 00 min 40 s
